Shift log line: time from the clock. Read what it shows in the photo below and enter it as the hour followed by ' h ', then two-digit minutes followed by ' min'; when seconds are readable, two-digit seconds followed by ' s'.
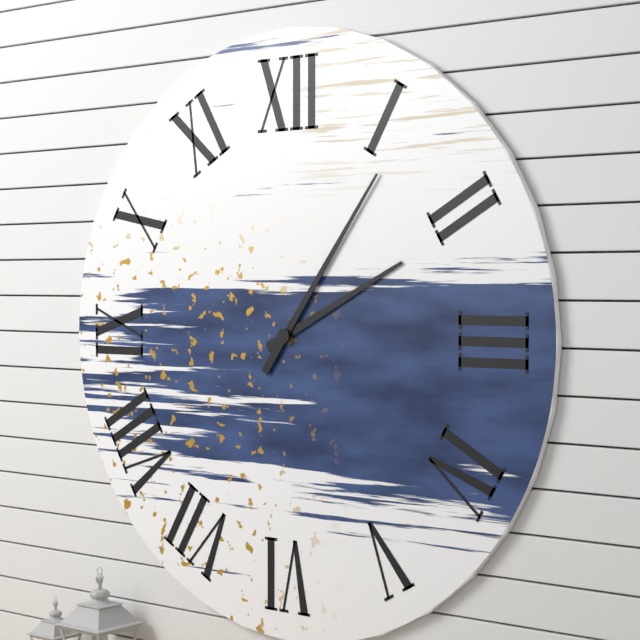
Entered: 2 h 06 min
